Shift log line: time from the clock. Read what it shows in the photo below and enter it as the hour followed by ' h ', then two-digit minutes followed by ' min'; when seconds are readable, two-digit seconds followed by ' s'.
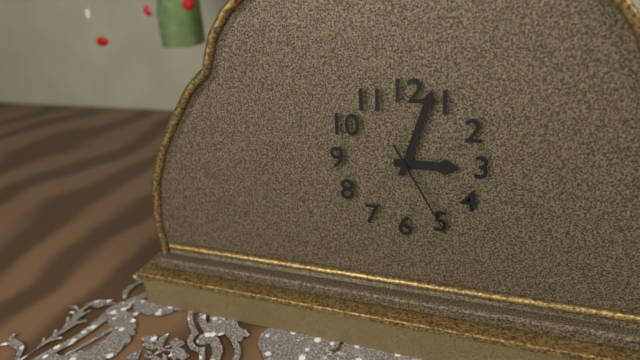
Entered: 3 h 03 min 25 s
